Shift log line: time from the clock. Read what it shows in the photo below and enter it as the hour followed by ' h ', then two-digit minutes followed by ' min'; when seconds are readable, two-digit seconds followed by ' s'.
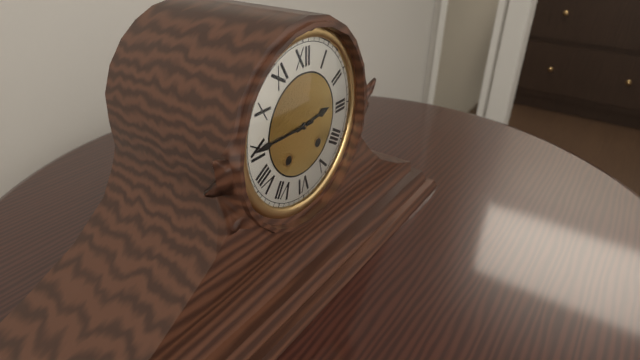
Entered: 2 h 45 min
